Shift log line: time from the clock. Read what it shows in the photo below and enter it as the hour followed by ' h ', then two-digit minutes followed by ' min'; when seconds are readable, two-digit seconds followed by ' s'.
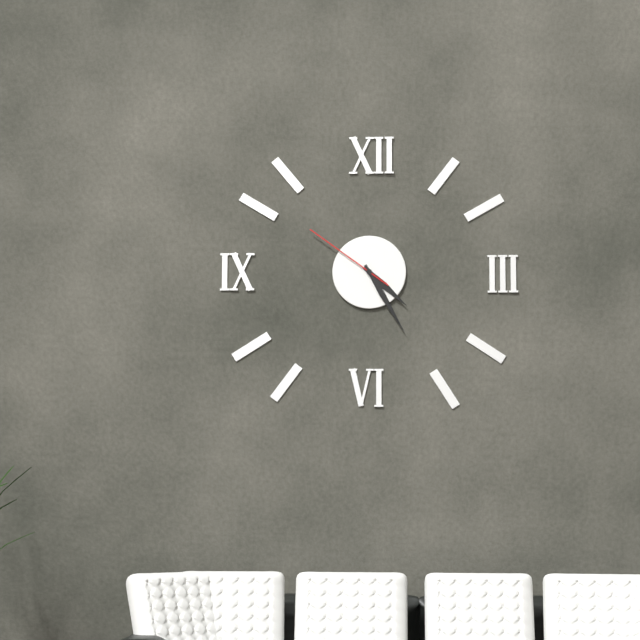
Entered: 4 h 25 min 51 s
